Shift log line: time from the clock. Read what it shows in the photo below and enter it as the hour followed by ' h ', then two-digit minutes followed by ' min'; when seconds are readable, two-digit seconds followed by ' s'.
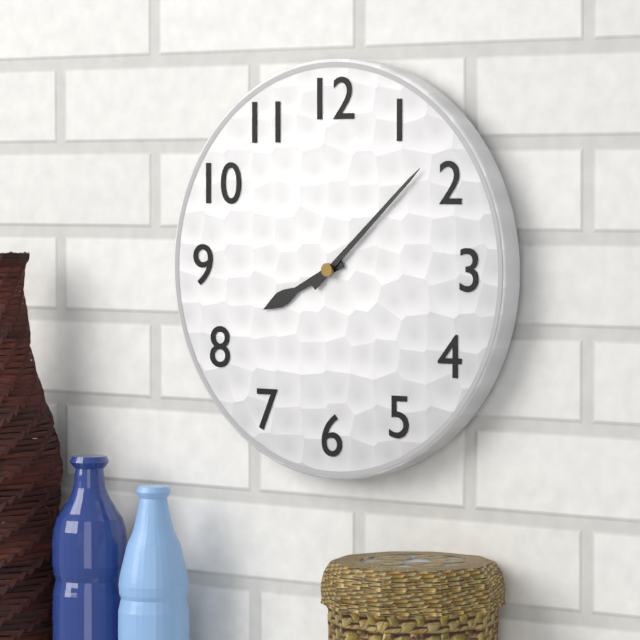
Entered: 8 h 08 min
